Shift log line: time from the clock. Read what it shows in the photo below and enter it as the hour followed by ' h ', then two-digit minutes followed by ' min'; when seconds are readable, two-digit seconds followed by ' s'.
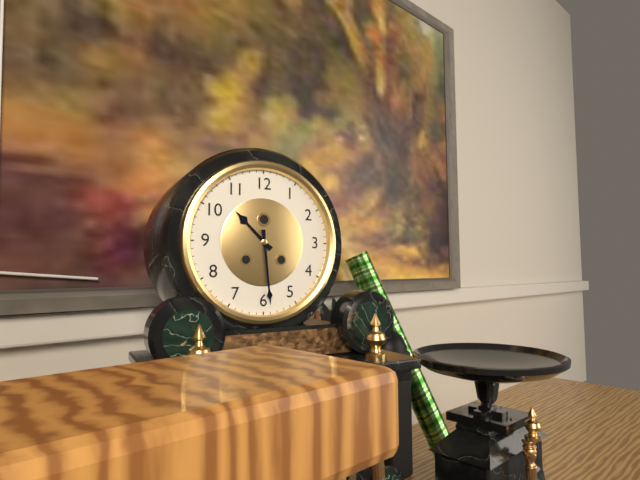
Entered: 10 h 29 min
